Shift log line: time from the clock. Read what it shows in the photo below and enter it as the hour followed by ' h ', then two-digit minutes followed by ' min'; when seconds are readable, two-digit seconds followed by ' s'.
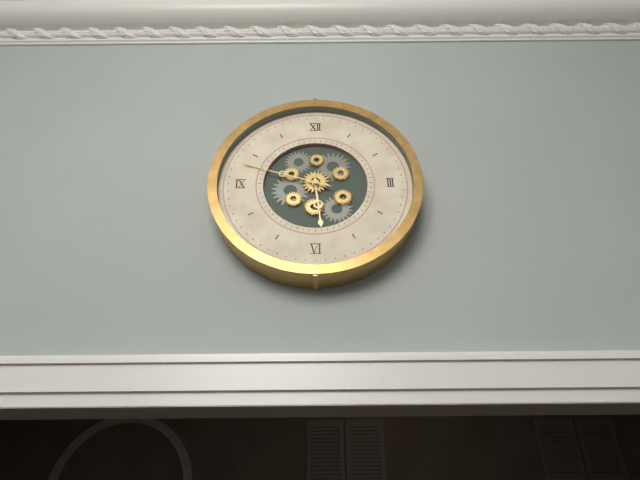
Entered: 5 h 48 min
